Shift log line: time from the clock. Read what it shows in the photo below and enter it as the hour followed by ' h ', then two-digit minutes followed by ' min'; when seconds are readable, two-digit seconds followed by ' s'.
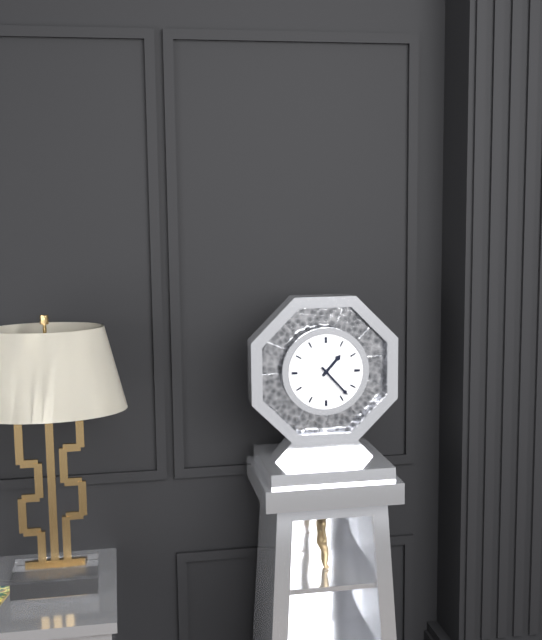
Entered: 1 h 23 min
